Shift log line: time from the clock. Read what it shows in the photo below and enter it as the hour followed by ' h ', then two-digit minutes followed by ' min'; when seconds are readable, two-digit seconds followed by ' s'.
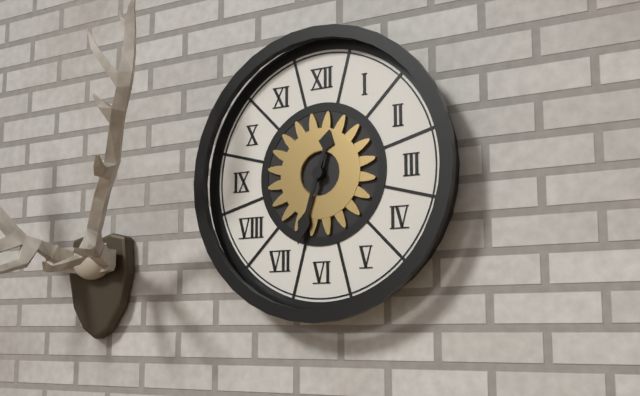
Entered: 12 h 33 min
